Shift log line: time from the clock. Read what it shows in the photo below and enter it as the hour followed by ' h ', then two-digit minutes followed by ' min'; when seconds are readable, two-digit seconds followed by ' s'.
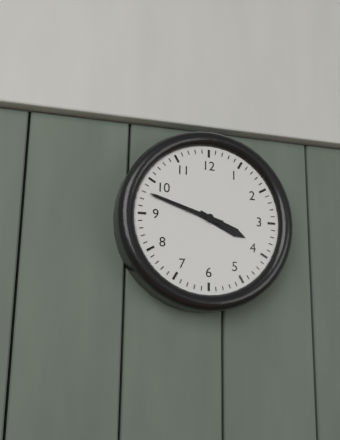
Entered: 3 h 48 min
